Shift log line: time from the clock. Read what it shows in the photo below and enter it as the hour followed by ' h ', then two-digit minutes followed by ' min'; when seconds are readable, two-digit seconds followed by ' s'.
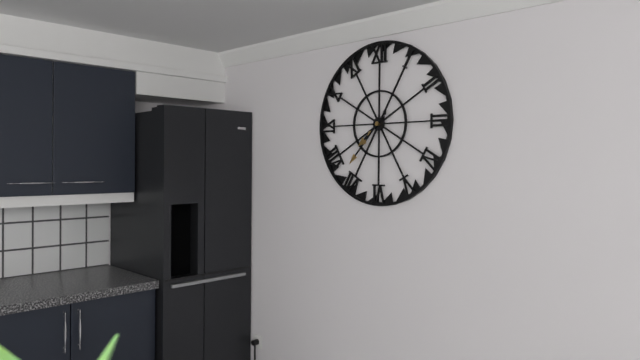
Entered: 7 h 37 min
